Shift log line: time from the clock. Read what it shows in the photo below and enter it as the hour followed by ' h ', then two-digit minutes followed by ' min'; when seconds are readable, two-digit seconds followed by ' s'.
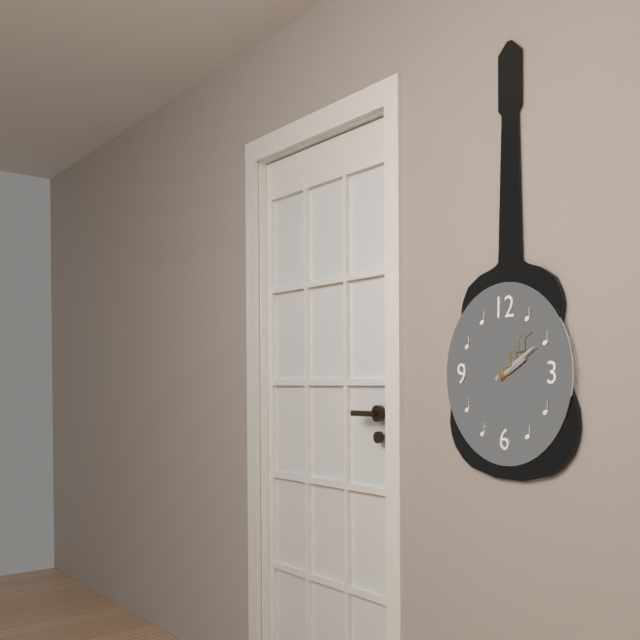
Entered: 2 h 10 min 07 s
